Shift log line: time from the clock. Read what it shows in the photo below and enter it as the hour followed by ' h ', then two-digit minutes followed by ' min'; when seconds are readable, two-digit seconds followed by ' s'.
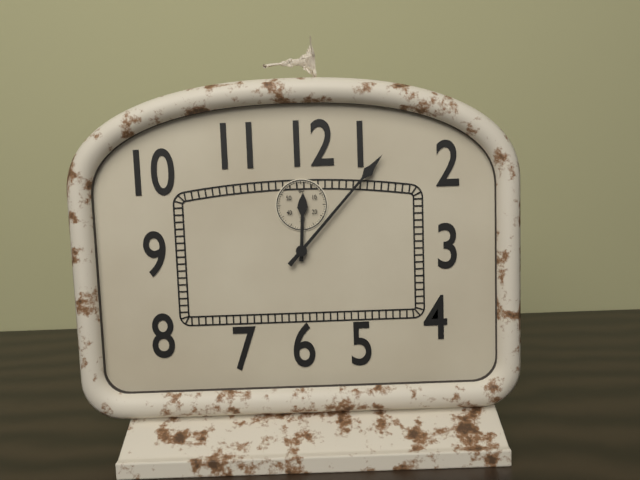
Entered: 12 h 07 min
